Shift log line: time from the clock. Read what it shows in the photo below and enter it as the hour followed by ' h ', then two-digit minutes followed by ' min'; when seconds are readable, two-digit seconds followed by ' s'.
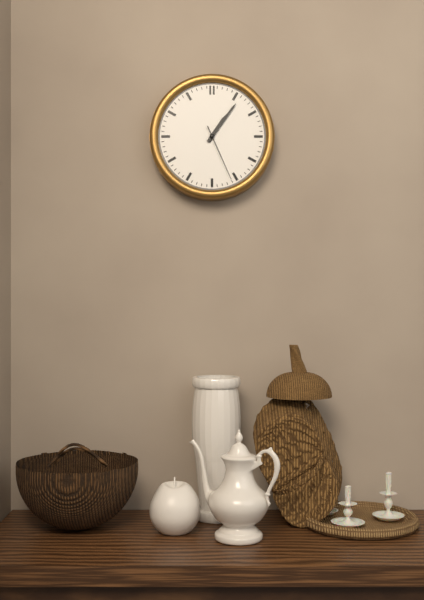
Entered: 1 h 06 min 26 s
